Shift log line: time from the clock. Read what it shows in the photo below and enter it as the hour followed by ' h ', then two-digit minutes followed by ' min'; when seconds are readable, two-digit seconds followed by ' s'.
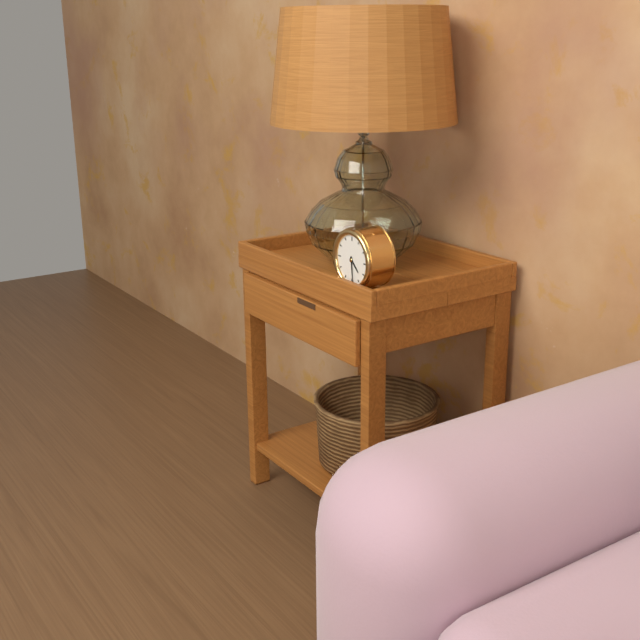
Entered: 4 h 29 min
